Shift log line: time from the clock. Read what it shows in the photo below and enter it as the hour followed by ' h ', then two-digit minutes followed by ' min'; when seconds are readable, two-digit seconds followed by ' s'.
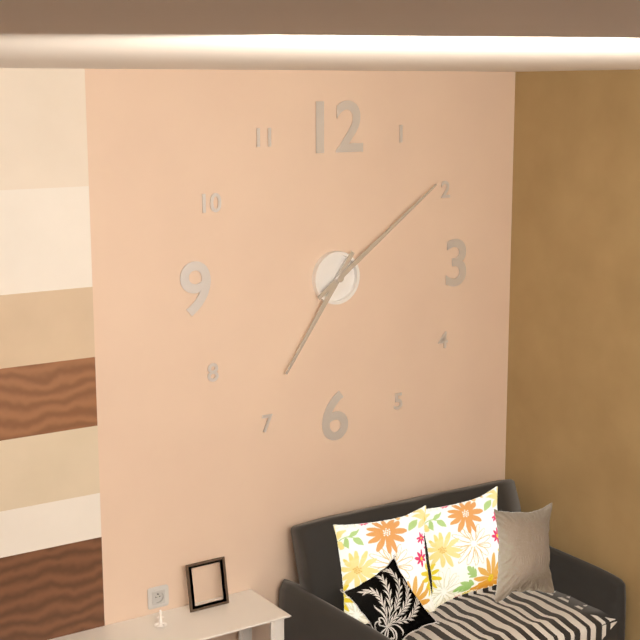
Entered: 7 h 09 min
